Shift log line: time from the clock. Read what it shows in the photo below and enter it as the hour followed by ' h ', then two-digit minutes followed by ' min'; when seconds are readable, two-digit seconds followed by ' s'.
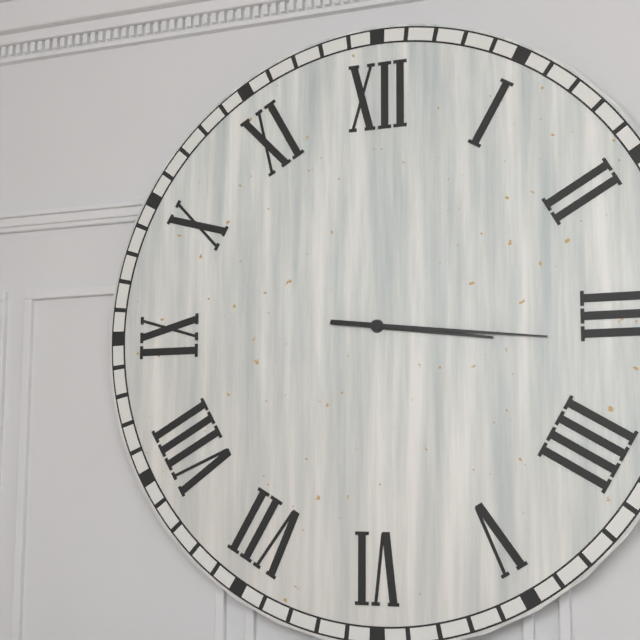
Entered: 3 h 16 min
